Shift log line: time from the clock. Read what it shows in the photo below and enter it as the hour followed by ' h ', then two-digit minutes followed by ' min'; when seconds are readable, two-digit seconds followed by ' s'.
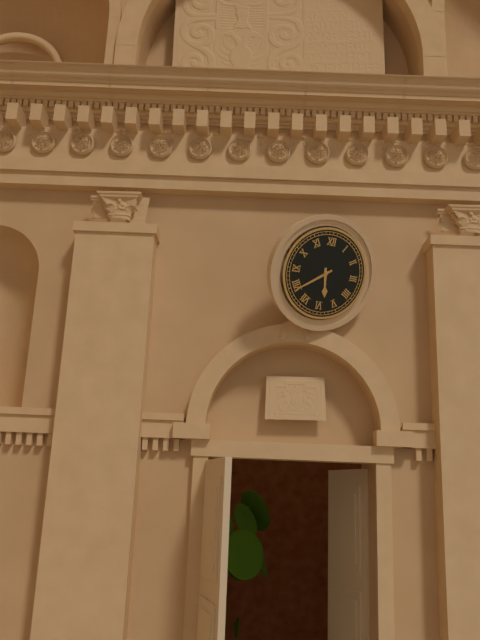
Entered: 5 h 39 min
